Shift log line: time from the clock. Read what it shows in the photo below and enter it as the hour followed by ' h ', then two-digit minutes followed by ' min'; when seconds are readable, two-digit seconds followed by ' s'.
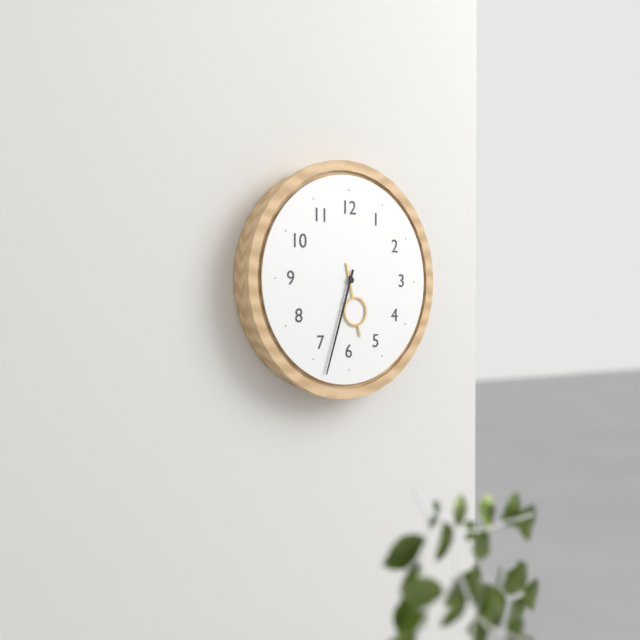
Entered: 5 h 33 min
